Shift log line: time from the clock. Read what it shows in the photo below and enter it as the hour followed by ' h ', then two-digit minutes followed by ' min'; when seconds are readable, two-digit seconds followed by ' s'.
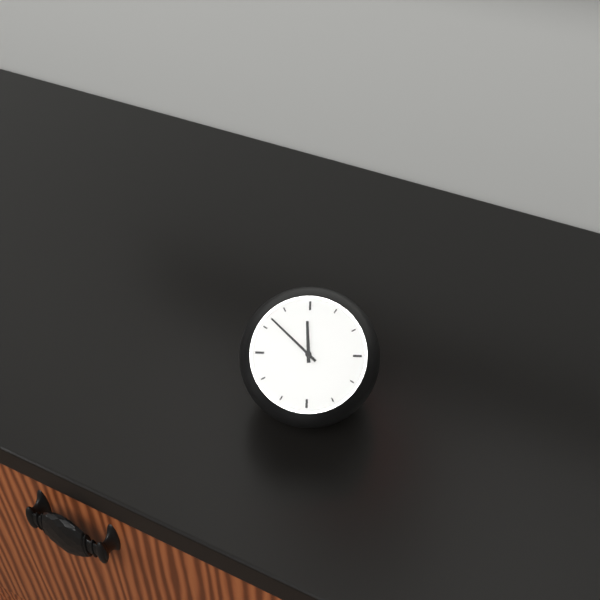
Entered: 11 h 52 min
